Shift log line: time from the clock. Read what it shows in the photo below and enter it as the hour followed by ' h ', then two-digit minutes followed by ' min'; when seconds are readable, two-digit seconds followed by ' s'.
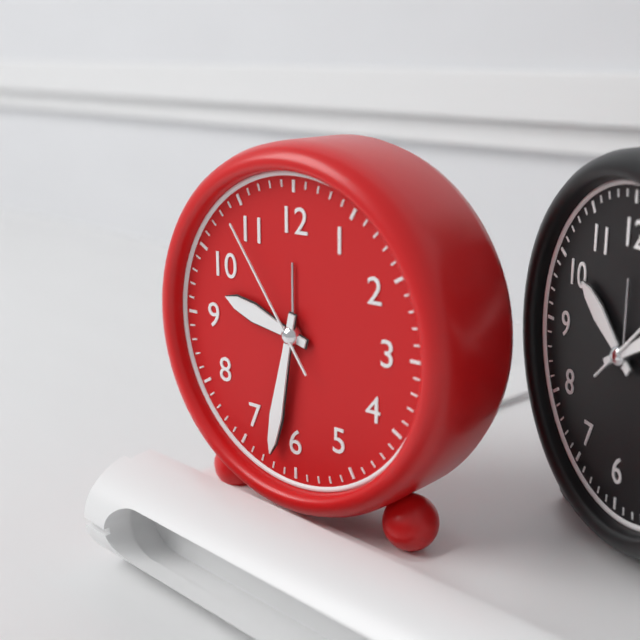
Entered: 9 h 32 min 54 s
